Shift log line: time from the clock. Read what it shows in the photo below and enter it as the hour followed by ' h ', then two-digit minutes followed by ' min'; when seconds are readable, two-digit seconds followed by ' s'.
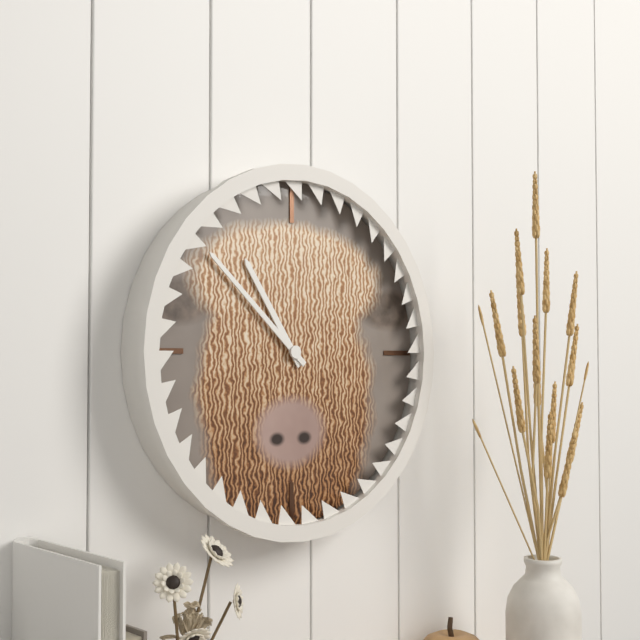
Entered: 10 h 52 min
